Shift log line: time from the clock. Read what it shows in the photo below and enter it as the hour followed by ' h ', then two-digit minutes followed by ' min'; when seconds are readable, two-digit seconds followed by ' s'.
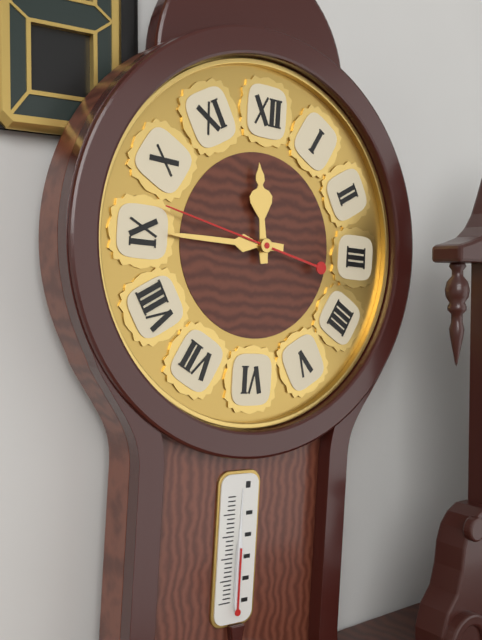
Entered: 11 h 45 min 47 s
